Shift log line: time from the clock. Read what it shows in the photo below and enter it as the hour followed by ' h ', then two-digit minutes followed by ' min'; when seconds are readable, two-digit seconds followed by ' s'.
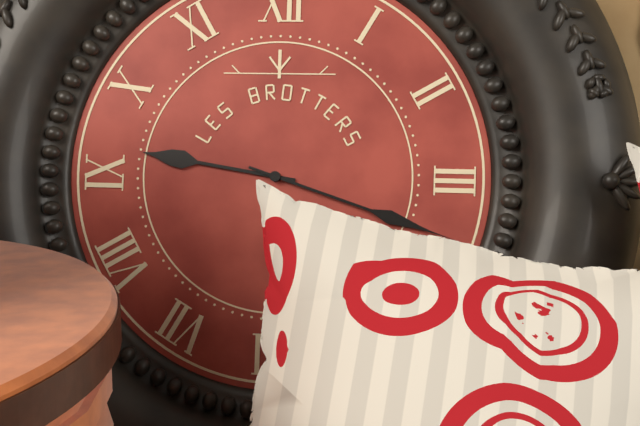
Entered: 9 h 18 min
